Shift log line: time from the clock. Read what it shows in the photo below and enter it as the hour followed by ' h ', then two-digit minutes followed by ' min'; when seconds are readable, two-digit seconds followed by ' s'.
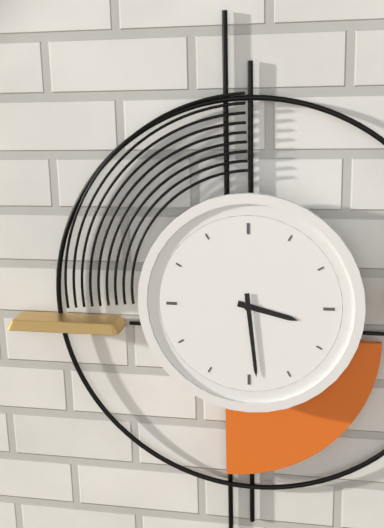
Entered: 3 h 29 min
